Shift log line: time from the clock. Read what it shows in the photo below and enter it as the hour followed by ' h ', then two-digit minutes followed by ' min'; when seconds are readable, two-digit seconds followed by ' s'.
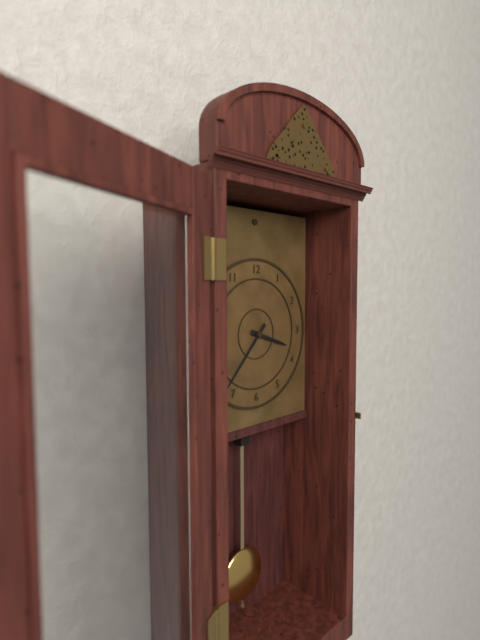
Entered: 3 h 37 min
